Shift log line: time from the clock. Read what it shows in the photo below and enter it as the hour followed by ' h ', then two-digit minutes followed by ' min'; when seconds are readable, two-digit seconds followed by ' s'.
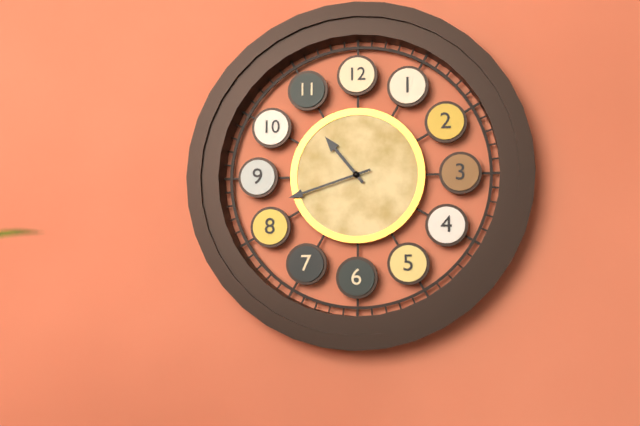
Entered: 10 h 42 min
